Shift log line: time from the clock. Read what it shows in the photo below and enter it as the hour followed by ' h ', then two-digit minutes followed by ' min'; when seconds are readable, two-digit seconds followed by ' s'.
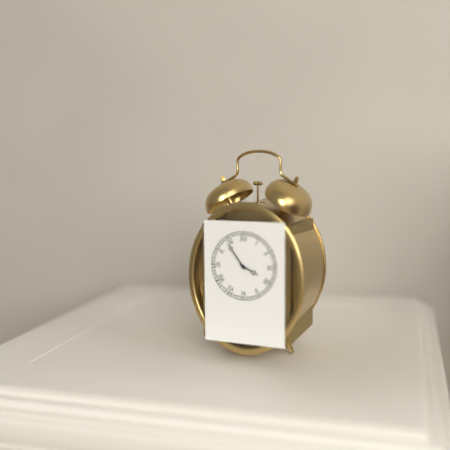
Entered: 3 h 54 min
